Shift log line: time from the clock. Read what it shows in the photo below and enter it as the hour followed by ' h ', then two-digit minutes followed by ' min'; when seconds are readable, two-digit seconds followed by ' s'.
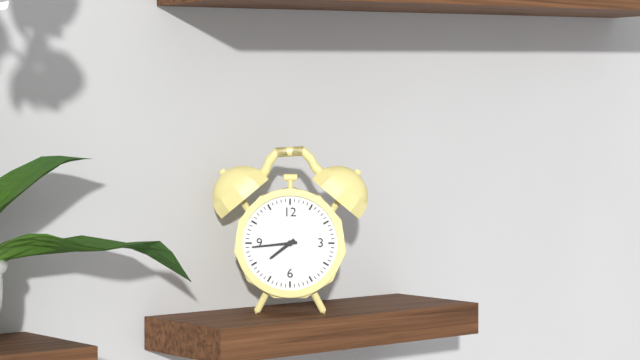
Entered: 7 h 44 min
